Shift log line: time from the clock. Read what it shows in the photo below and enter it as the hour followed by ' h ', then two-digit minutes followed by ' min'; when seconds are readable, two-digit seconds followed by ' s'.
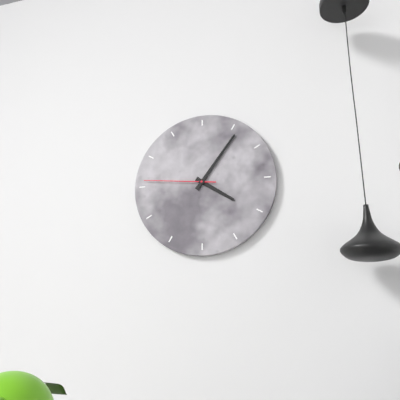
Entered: 4 h 06 min 46 s
